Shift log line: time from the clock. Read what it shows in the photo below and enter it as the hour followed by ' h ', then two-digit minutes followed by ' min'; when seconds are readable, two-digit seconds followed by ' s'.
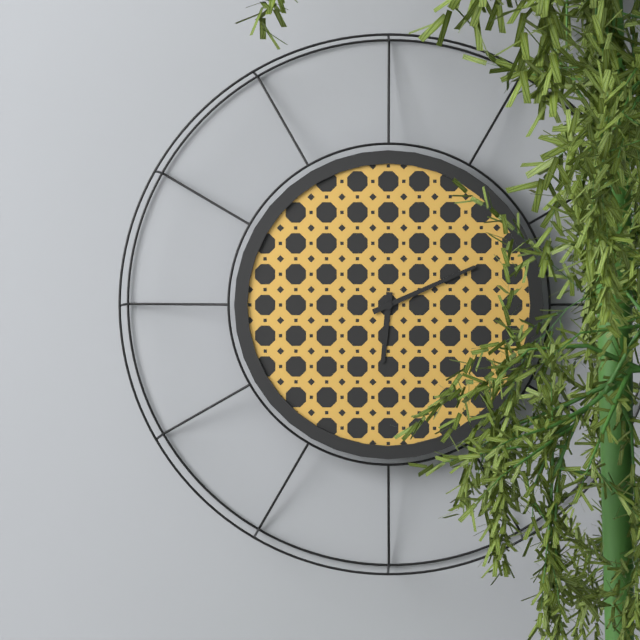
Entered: 6 h 11 min
